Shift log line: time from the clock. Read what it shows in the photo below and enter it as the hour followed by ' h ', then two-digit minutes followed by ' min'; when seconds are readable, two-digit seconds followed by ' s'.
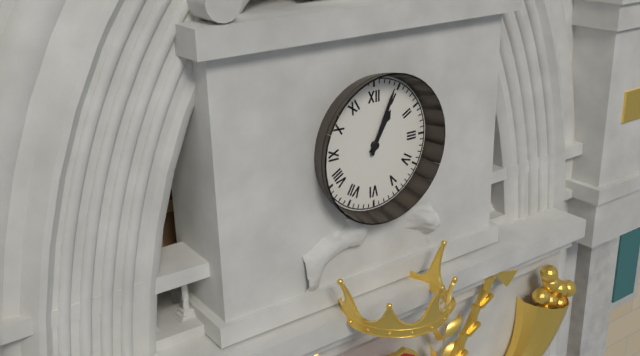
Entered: 1 h 04 min
